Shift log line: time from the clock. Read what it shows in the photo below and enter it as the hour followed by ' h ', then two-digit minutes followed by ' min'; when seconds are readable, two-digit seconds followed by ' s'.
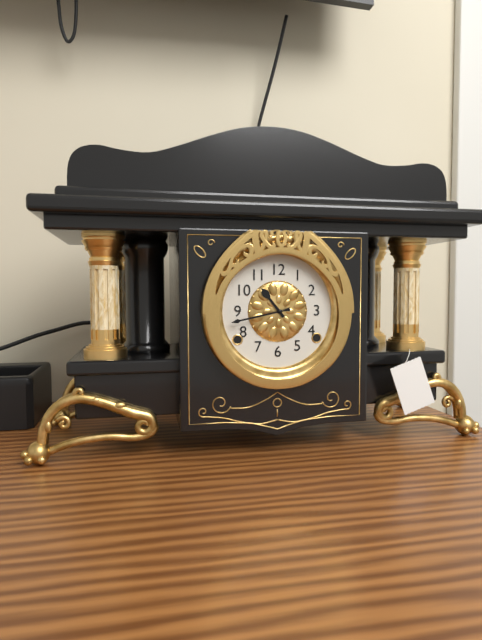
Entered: 10 h 43 min
